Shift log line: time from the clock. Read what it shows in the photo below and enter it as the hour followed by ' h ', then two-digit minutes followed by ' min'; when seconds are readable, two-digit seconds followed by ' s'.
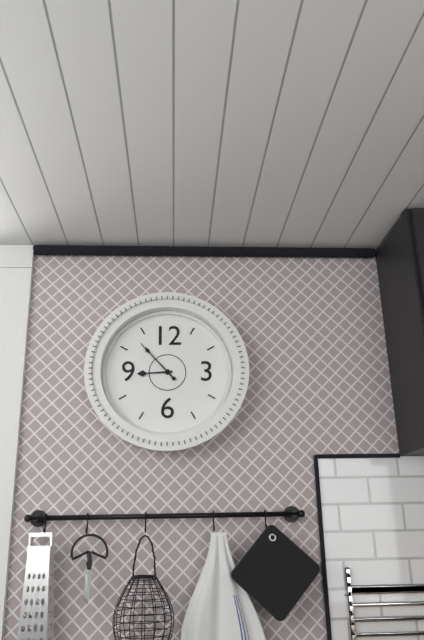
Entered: 8 h 53 min
